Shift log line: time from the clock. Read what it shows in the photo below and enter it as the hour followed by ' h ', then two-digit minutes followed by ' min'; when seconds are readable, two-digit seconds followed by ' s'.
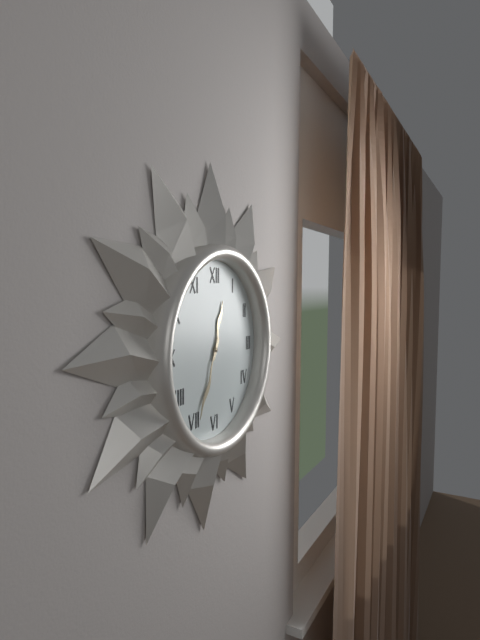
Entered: 12 h 34 min
